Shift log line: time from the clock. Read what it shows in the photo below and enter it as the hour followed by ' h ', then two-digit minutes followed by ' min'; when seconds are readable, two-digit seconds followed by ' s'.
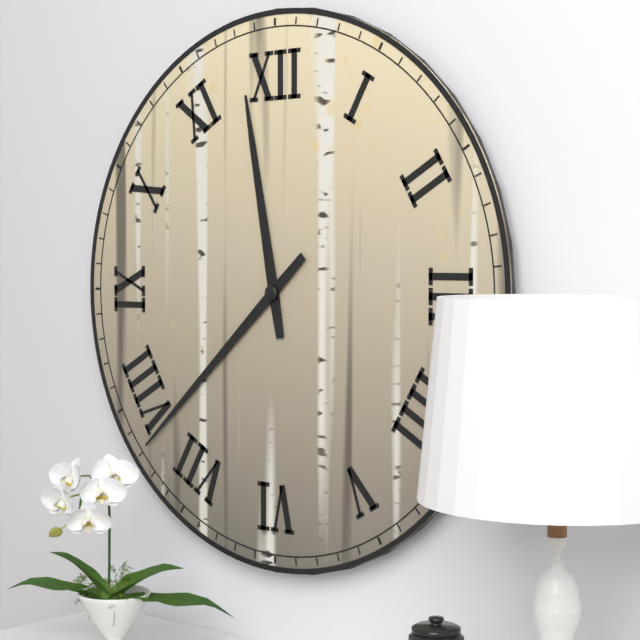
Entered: 11 h 38 min
